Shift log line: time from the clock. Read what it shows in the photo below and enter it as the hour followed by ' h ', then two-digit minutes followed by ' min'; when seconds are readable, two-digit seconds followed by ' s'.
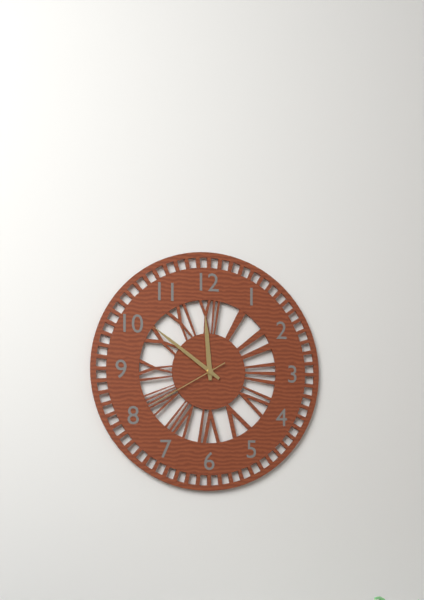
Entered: 11 h 51 min 40 s
